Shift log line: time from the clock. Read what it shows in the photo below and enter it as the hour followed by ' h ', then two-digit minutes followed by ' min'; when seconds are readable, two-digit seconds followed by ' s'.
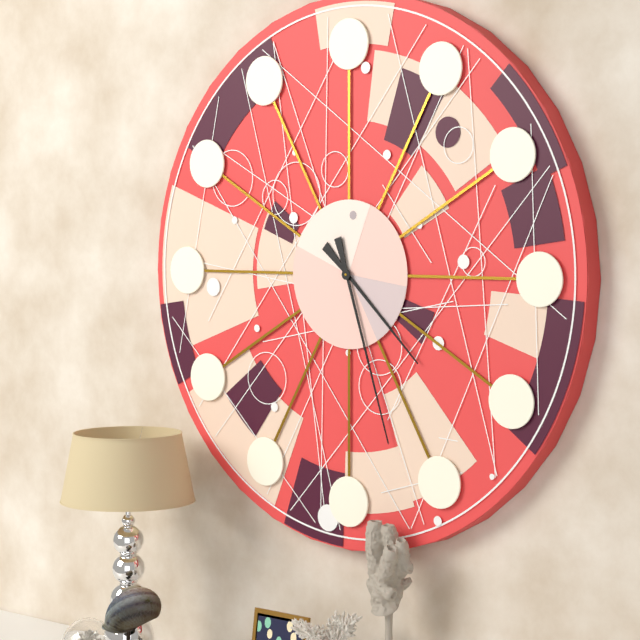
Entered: 4 h 27 min
